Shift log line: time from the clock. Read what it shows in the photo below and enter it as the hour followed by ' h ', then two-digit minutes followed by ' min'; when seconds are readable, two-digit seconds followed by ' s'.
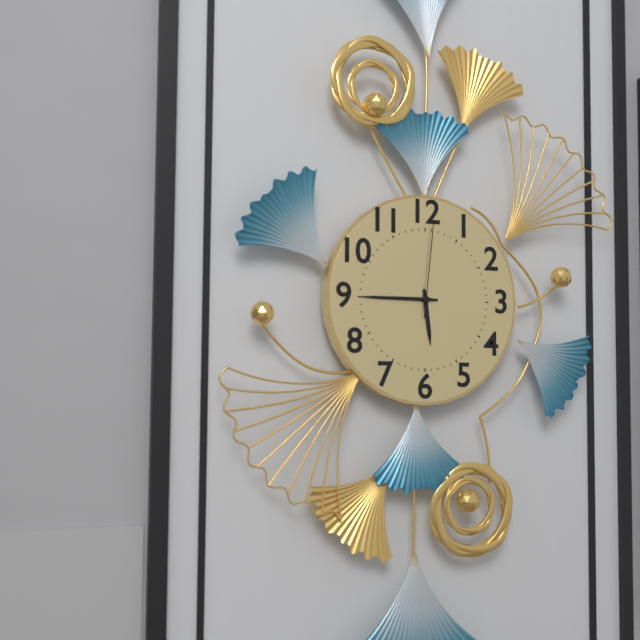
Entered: 5 h 45 min 01 s
